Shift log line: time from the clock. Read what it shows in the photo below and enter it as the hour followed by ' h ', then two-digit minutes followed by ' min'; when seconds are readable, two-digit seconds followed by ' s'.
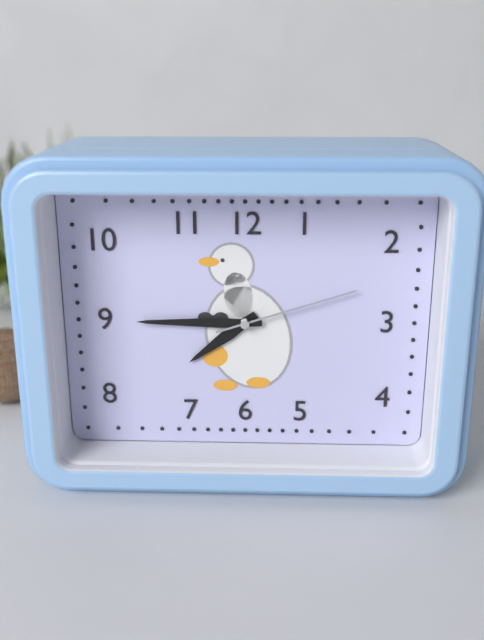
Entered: 7 h 45 min 12 s
